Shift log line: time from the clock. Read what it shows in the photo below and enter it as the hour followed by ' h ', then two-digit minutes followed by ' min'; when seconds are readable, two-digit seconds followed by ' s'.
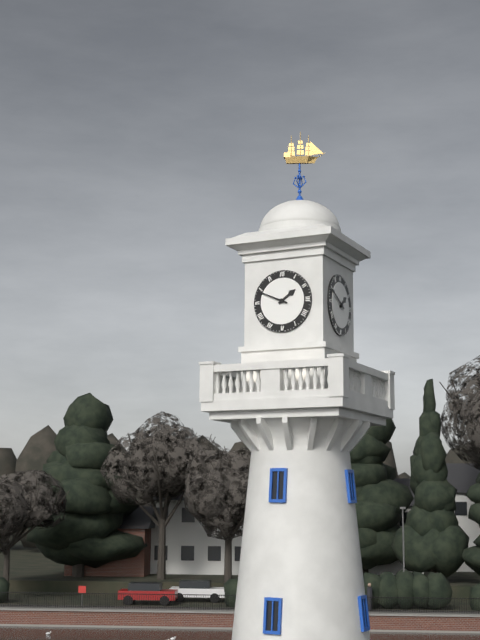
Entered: 1 h 49 min
